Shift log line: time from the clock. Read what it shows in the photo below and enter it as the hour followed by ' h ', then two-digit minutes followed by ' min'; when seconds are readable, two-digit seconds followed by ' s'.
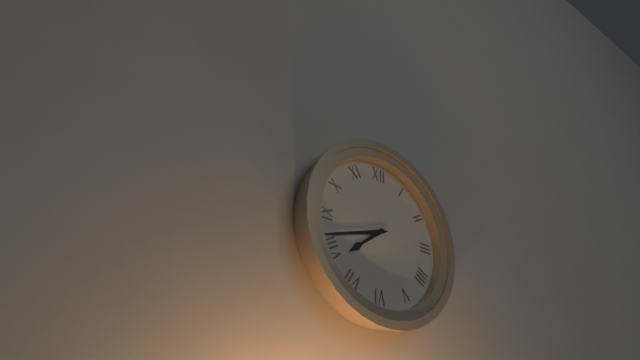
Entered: 7 h 42 min
